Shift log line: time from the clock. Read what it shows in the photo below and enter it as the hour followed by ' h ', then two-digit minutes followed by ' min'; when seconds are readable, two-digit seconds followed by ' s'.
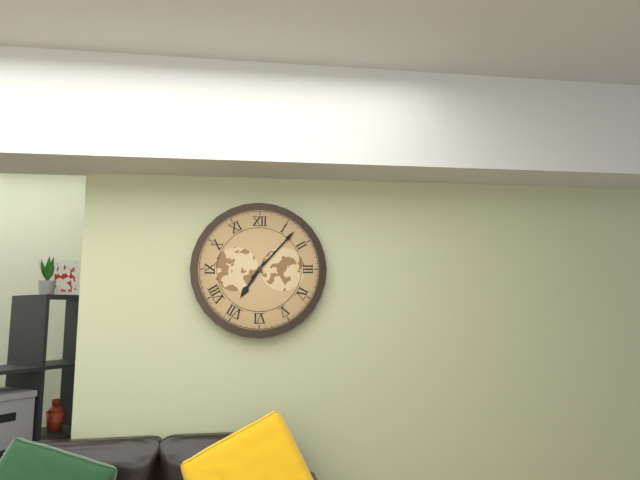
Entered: 7 h 07 min
